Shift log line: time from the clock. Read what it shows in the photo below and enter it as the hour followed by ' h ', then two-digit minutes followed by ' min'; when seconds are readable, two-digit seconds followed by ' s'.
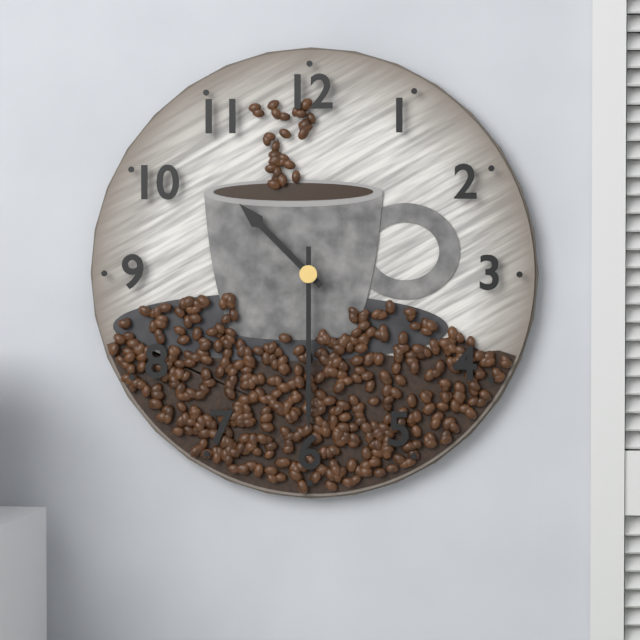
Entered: 10 h 30 min
